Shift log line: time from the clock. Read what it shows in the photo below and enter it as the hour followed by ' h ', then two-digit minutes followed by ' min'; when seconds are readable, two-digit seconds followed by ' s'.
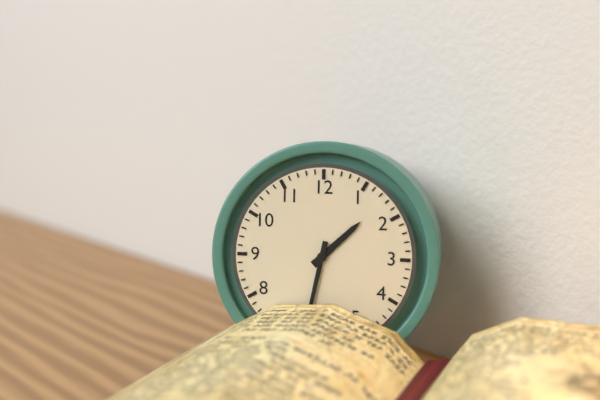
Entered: 1 h 32 min
